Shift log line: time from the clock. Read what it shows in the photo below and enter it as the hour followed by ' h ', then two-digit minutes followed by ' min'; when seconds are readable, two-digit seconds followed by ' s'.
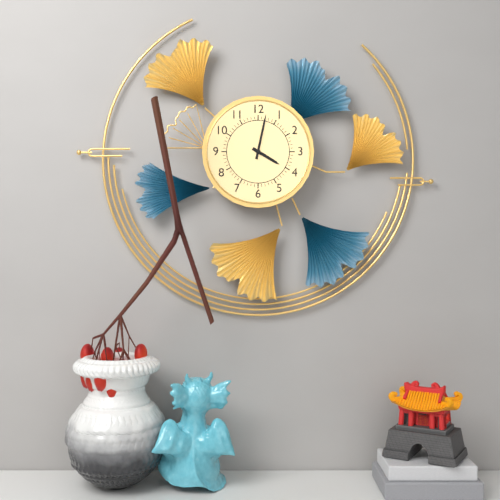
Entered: 4 h 02 min
